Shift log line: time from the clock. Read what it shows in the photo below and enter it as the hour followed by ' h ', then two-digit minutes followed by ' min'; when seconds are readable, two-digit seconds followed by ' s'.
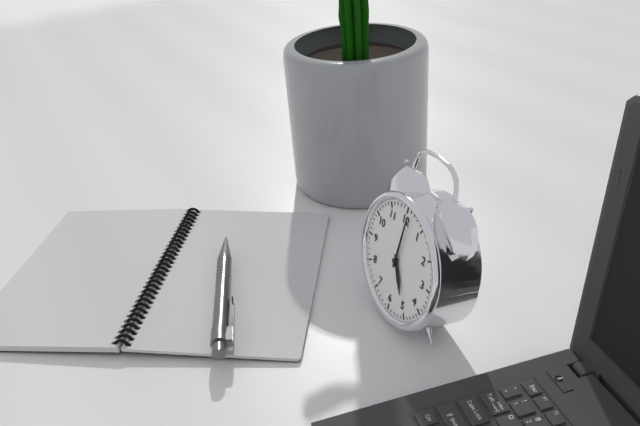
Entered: 5 h 01 min
